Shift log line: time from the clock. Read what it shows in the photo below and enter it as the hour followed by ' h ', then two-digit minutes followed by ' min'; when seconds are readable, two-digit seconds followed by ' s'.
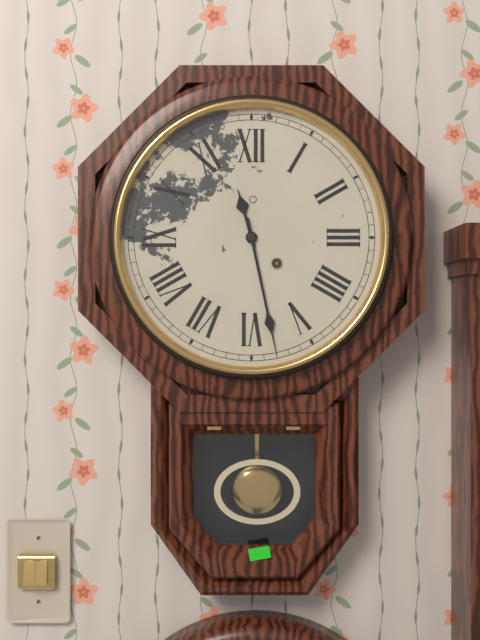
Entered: 11 h 28 min
